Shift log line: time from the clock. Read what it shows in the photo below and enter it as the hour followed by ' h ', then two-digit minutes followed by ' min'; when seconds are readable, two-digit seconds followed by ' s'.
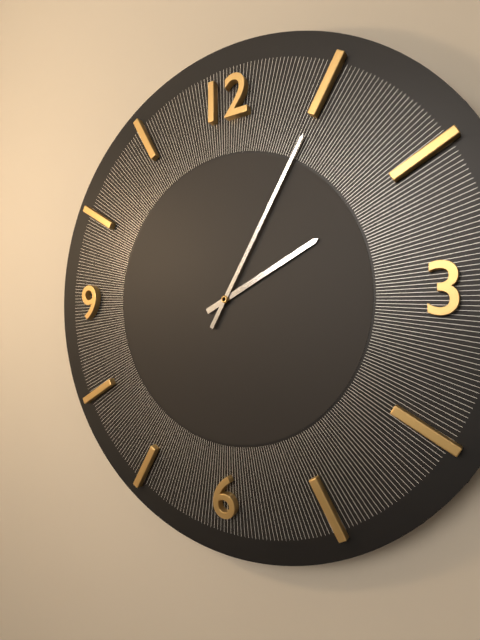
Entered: 2 h 05 min
